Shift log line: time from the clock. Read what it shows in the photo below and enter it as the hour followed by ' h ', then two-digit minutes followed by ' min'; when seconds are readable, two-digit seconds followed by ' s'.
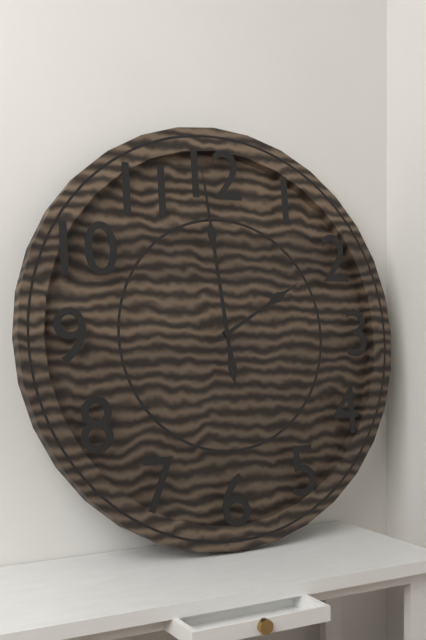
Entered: 1 h 59 min
